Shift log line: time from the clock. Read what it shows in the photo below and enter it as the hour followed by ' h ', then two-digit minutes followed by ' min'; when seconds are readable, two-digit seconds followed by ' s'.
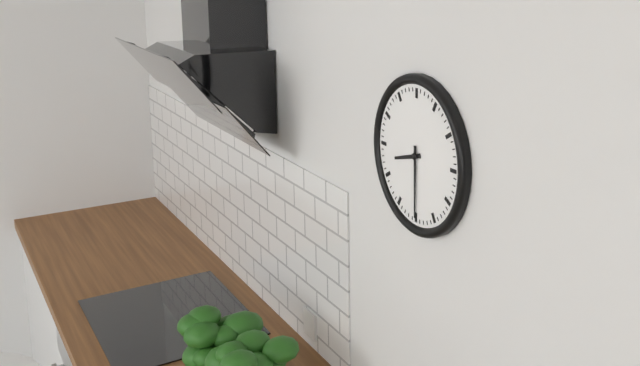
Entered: 8 h 30 min
